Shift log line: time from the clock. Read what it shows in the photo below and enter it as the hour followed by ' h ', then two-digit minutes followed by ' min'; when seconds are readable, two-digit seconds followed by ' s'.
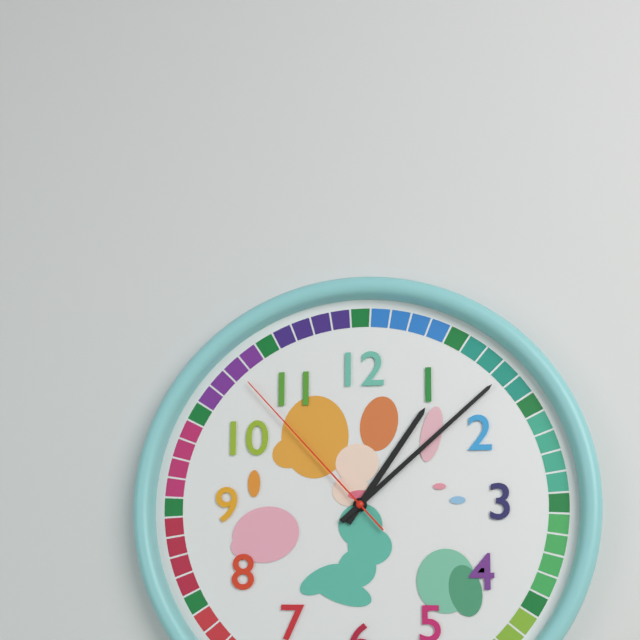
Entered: 1 h 08 min 53 s
